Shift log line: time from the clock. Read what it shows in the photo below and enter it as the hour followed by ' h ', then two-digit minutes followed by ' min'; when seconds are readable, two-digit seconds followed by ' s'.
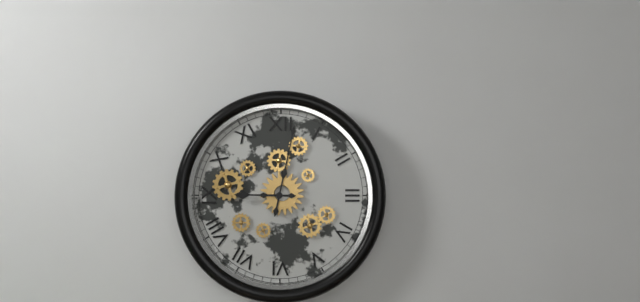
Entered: 9 h 02 min
